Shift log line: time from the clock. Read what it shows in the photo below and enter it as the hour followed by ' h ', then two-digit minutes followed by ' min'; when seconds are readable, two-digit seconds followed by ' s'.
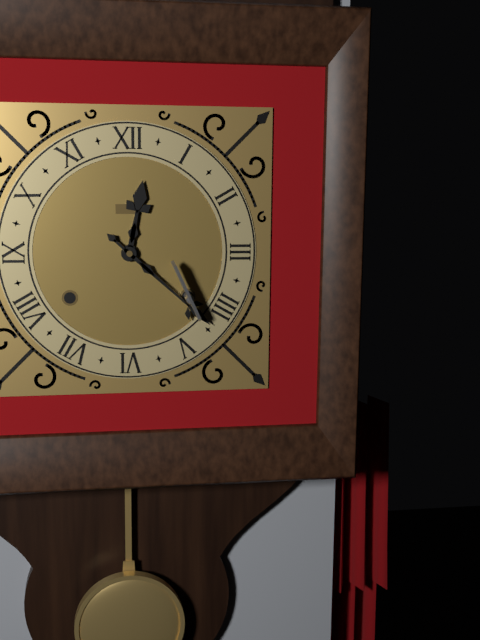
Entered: 12 h 22 min
